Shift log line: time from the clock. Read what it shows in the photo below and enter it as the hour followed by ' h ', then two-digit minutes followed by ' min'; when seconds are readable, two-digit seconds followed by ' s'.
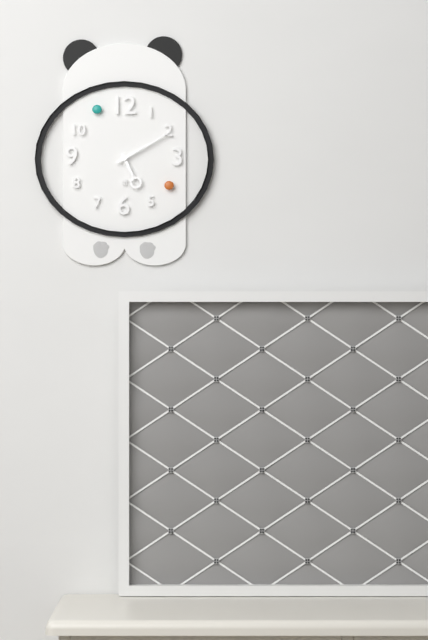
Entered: 5 h 10 min
